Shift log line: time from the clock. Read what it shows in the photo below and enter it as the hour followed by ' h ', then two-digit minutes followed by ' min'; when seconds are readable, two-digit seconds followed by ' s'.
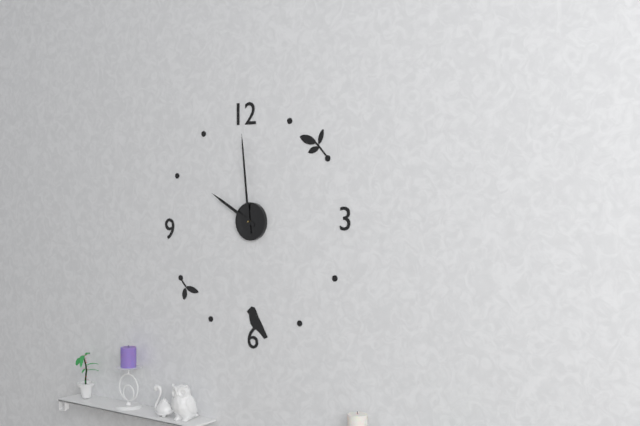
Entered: 9 h 59 min
